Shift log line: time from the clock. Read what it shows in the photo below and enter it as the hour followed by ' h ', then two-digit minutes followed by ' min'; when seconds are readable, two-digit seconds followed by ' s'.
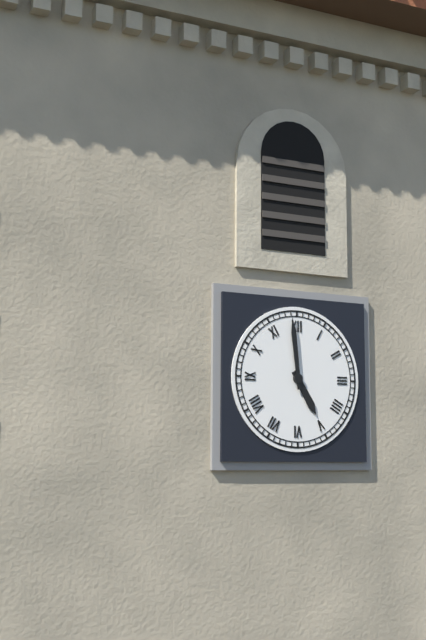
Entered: 4 h 59 min
